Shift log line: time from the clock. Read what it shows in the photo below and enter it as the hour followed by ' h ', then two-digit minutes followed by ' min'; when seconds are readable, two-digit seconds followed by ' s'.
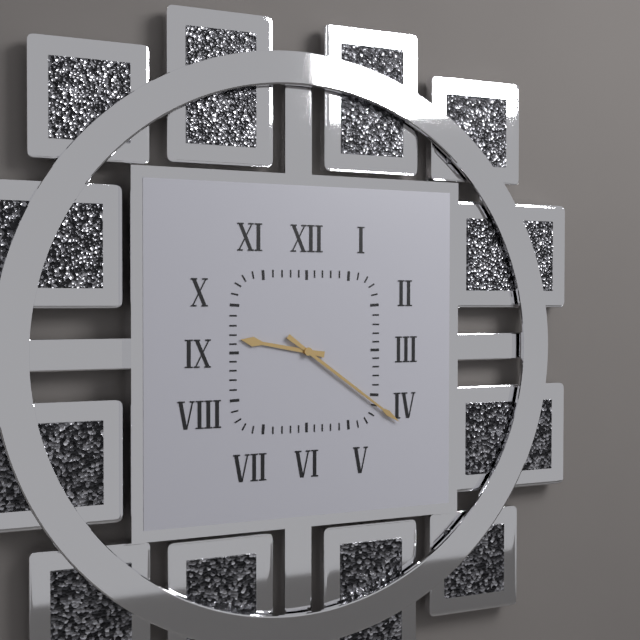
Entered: 9 h 21 min
